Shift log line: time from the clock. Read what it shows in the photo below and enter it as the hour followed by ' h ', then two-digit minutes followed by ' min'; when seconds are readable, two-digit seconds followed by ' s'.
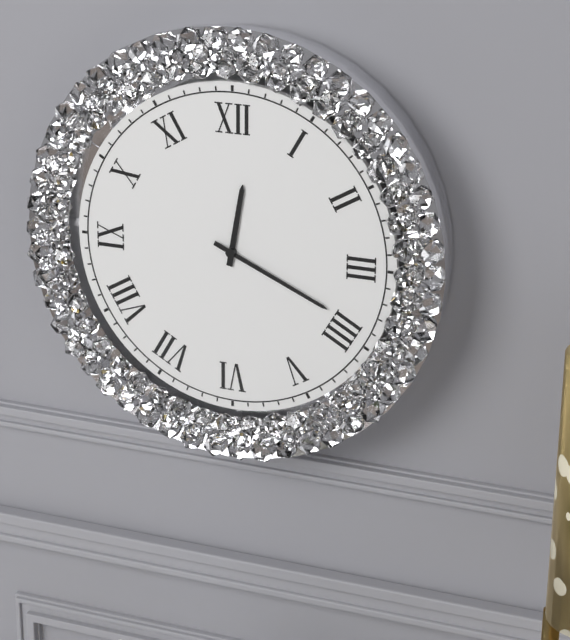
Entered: 12 h 19 min
